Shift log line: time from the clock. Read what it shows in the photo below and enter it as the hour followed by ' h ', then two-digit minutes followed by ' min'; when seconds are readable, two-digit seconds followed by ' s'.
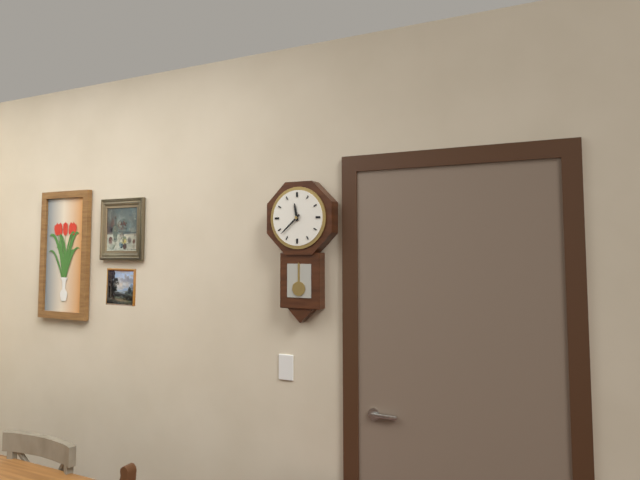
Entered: 11 h 38 min
